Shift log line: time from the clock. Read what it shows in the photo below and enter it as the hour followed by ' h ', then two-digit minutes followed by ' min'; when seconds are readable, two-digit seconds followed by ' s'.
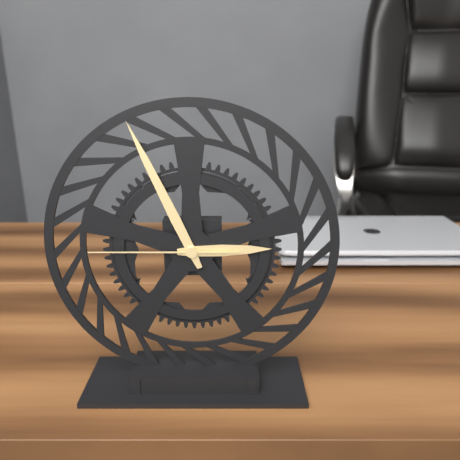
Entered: 2 h 56 min 45 s
